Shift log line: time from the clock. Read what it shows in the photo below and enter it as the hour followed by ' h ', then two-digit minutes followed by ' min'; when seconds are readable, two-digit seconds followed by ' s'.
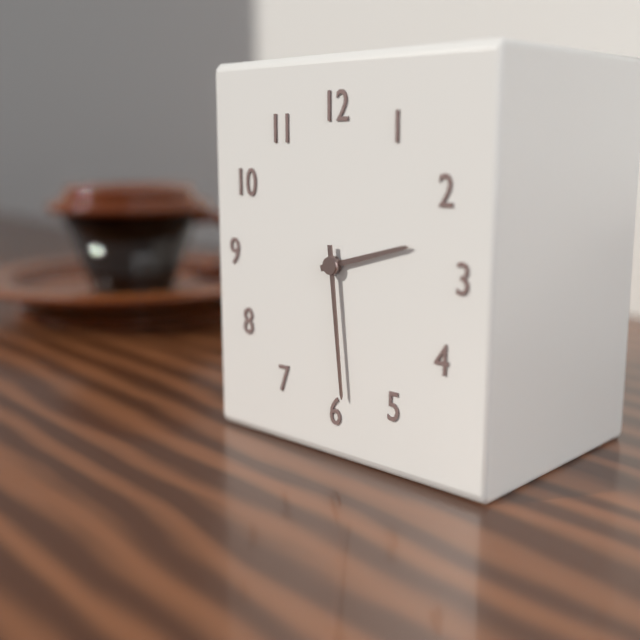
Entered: 2 h 29 min
